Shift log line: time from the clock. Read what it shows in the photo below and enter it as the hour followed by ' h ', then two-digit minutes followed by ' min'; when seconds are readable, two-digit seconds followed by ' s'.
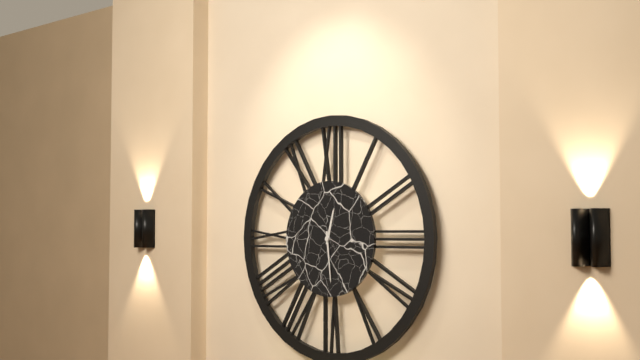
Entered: 12 h 29 min
